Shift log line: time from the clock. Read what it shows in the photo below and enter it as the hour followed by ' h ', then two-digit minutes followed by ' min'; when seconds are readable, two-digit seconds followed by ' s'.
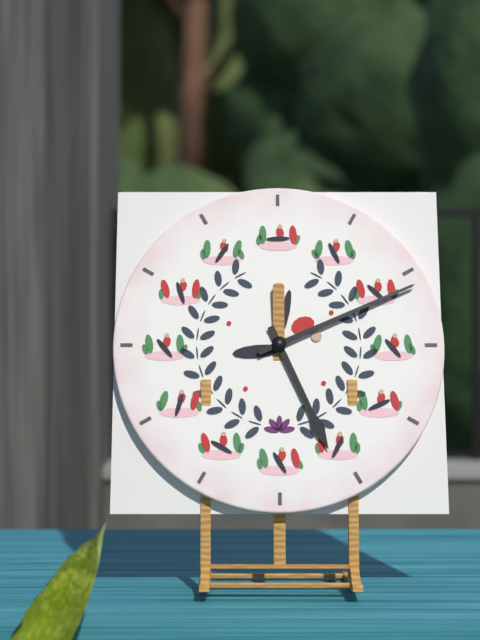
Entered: 5 h 11 min
